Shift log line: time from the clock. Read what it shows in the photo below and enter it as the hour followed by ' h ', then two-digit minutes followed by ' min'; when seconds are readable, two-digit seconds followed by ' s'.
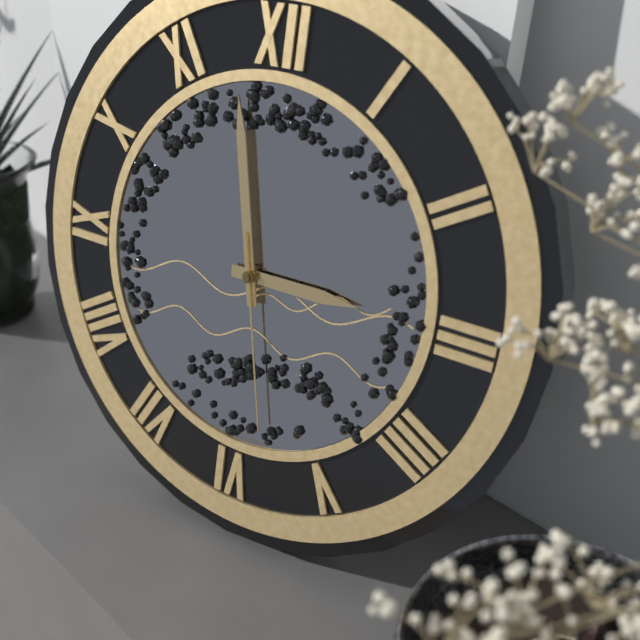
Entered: 2 h 58 min 28 s
